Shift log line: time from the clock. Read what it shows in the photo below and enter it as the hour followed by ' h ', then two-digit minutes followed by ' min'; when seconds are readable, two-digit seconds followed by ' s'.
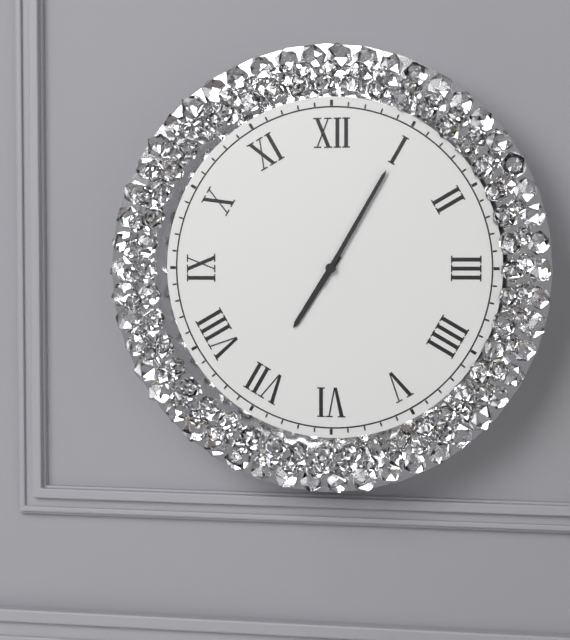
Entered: 7 h 05 min
